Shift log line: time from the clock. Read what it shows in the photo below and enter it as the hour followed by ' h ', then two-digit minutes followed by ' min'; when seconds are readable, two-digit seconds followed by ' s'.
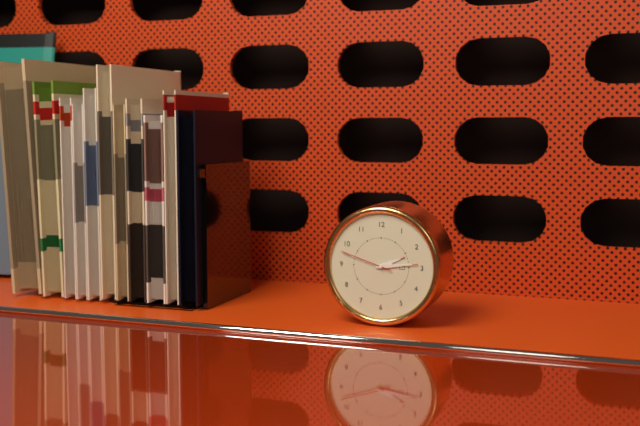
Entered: 2 h 14 min 48 s
